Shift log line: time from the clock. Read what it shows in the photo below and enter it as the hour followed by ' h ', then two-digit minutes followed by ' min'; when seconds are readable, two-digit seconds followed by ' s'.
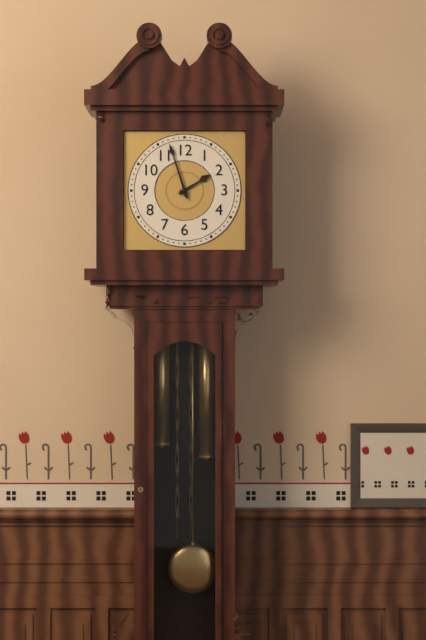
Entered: 1 h 57 min
